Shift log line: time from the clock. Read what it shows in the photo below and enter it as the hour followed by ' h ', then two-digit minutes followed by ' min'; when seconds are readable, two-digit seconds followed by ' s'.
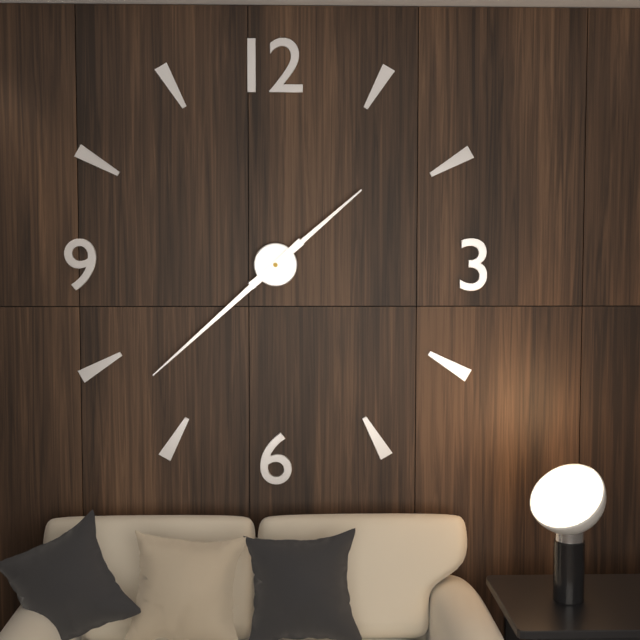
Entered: 1 h 38 min
